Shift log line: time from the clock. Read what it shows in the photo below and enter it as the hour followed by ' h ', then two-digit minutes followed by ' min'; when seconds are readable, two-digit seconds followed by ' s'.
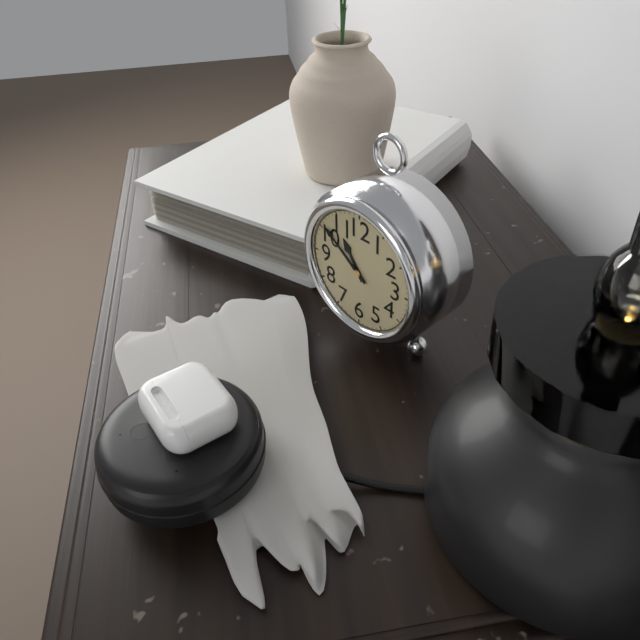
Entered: 10 h 51 min
